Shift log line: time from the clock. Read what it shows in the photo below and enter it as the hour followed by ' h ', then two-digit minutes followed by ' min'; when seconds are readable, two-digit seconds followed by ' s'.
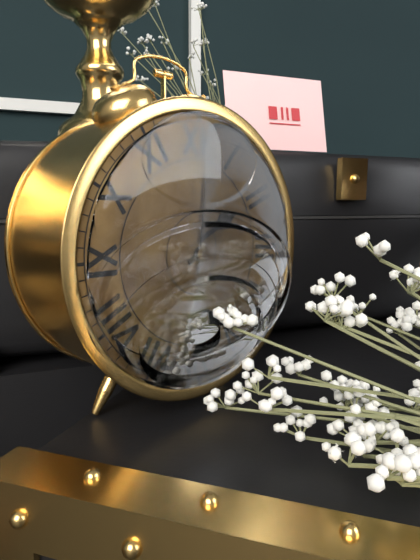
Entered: 2 h 01 min
